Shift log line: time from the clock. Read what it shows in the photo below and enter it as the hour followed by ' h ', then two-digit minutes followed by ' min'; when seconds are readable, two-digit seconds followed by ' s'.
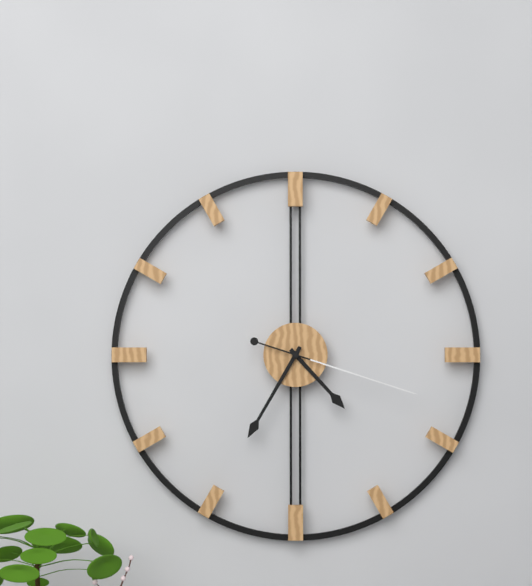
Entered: 4 h 35 min 18 s
